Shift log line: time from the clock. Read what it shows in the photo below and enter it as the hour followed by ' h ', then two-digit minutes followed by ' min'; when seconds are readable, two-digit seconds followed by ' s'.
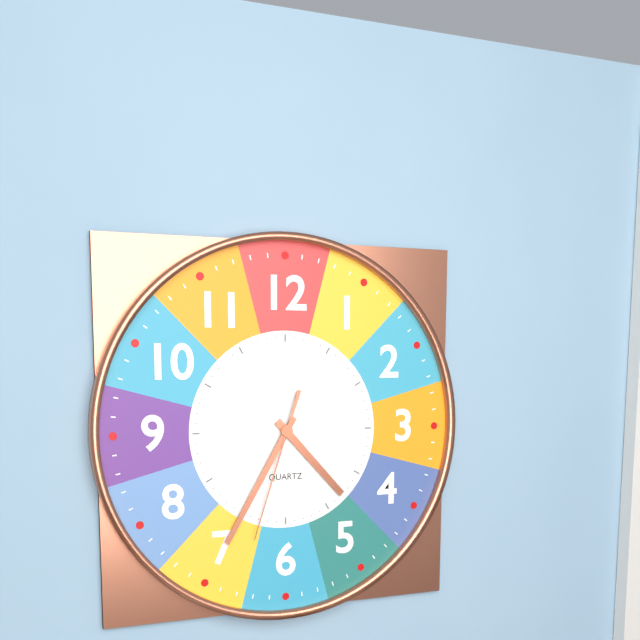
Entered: 4 h 35 min 33 s
